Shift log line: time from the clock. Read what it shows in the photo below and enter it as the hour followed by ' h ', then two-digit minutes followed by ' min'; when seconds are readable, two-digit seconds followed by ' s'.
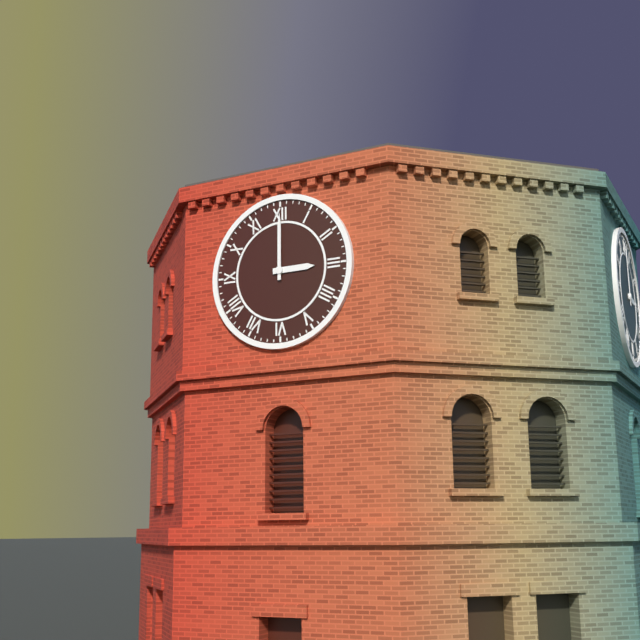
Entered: 3 h 00 min
